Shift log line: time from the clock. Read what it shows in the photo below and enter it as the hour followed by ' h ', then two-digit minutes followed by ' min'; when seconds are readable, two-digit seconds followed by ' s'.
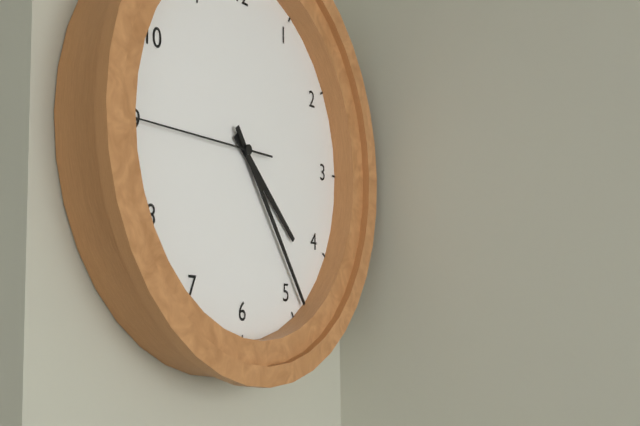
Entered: 4 h 24 min 45 s
